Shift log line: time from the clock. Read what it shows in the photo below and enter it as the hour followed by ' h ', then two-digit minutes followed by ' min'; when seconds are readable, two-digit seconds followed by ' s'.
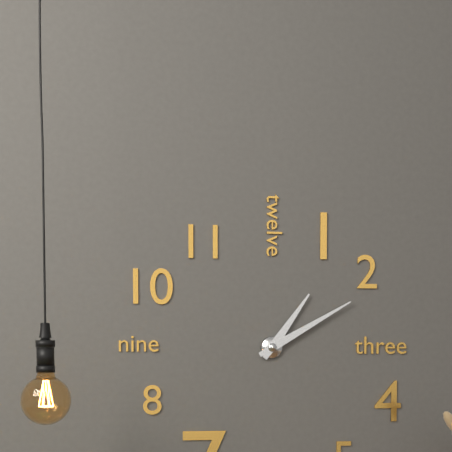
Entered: 1 h 10 min
